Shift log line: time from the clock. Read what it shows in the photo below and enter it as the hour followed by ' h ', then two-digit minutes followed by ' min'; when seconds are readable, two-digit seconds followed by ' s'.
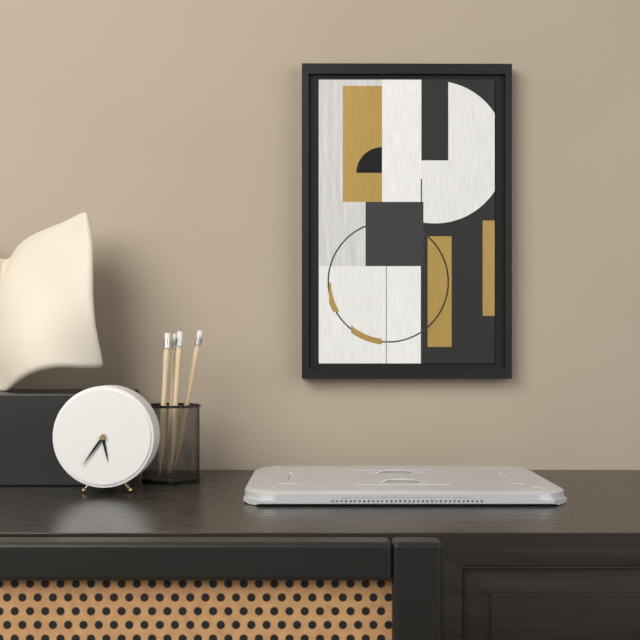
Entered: 5 h 36 min
